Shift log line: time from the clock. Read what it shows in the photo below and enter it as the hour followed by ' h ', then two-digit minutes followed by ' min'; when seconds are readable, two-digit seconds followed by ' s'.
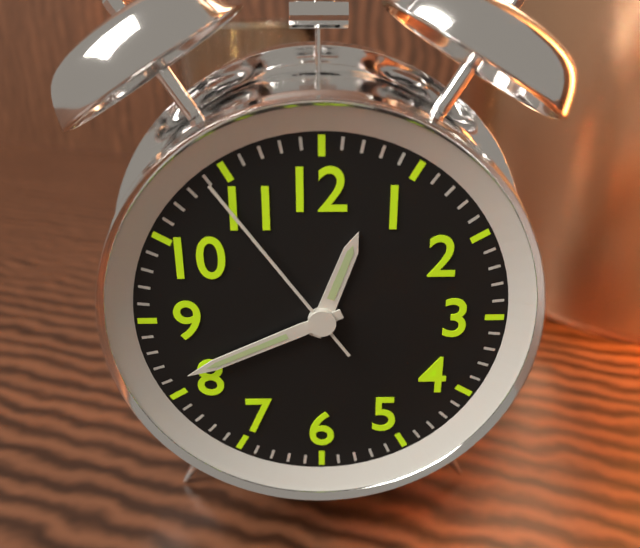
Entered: 12 h 41 min 54 s
